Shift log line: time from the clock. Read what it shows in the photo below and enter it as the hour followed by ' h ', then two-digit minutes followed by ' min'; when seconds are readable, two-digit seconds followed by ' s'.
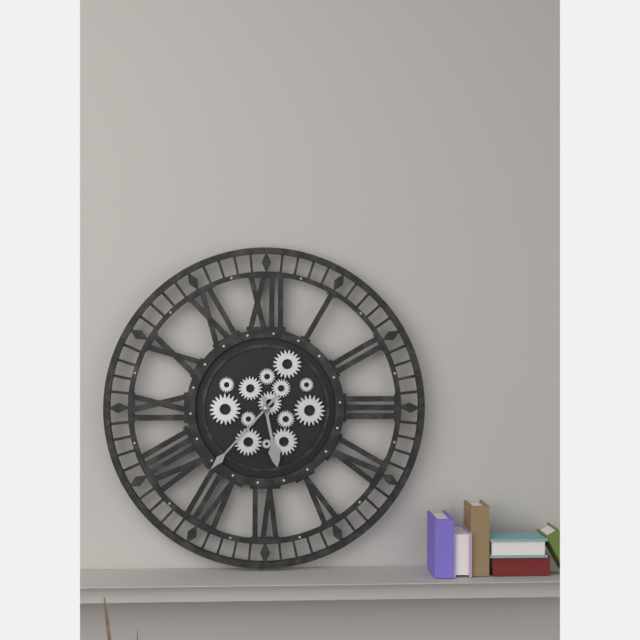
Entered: 5 h 37 min
